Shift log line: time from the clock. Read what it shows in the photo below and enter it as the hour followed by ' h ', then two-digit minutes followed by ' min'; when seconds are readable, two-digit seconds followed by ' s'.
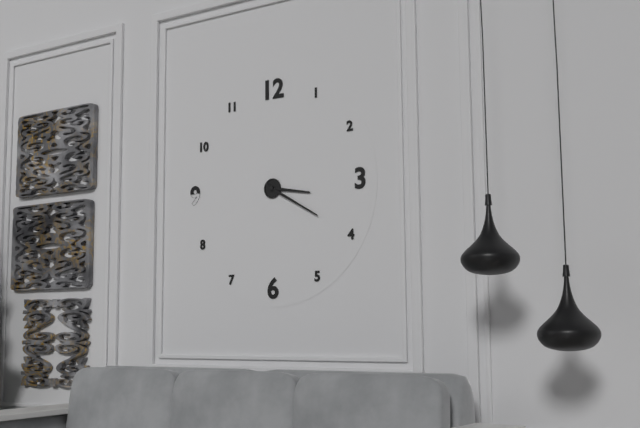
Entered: 3 h 20 min
